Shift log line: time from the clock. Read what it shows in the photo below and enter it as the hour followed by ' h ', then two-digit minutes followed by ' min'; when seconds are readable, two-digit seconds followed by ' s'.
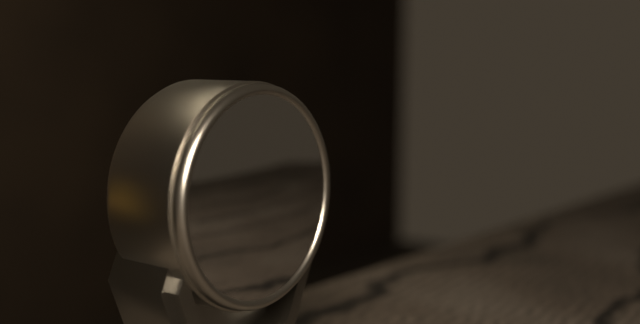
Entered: 8 h 51 min
